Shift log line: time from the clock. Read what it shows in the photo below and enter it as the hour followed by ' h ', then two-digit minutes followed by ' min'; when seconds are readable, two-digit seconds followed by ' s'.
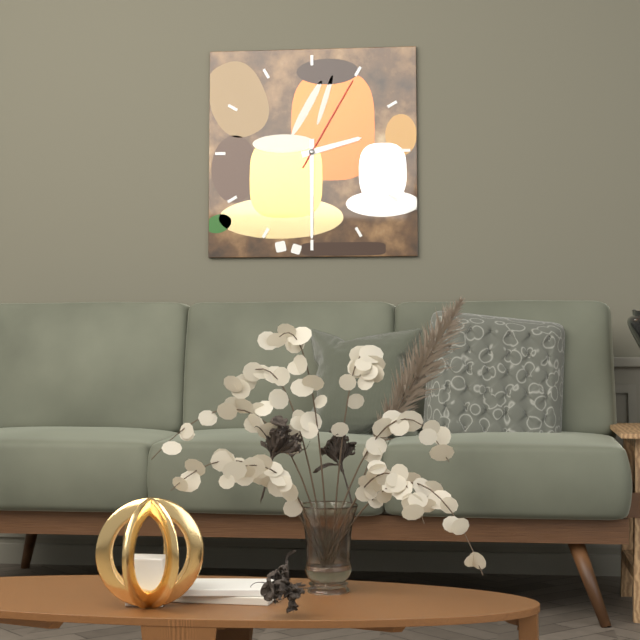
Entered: 2 h 30 min 05 s
